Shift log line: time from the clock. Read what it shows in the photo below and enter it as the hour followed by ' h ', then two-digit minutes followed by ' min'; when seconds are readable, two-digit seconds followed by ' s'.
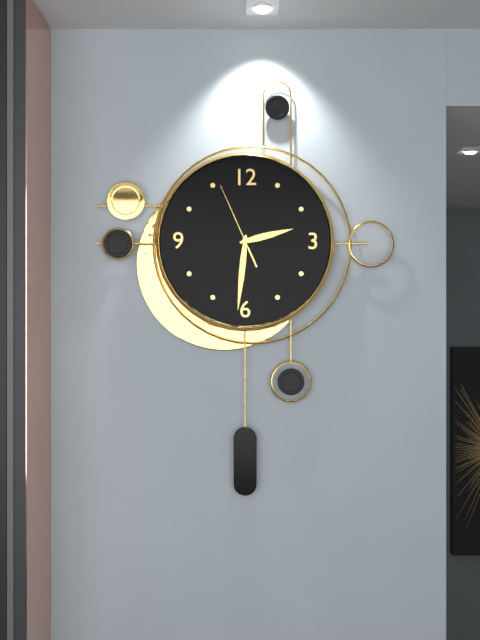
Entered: 2 h 31 min 56 s
